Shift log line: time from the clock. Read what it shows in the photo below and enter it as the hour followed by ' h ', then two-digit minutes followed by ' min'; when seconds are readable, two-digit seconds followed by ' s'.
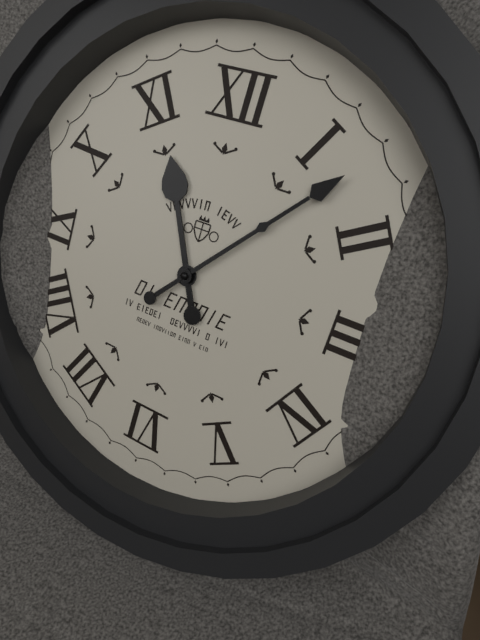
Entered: 11 h 07 min
